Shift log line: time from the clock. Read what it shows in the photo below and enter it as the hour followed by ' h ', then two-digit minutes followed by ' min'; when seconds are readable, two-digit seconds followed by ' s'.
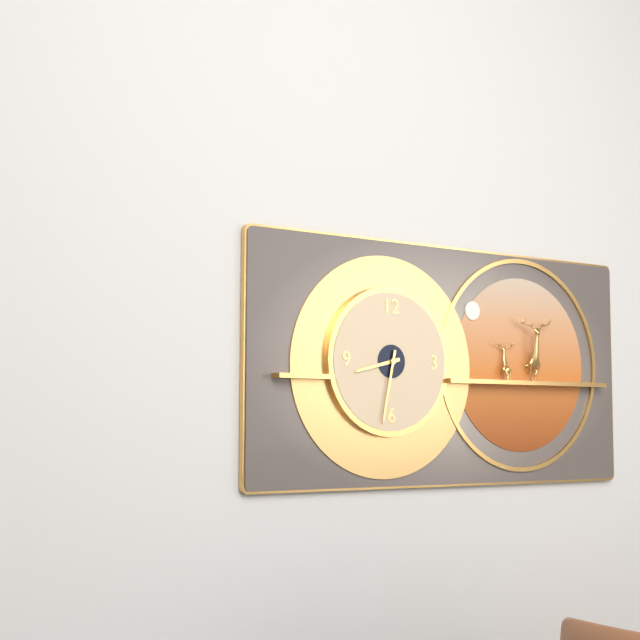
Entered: 8 h 32 min
